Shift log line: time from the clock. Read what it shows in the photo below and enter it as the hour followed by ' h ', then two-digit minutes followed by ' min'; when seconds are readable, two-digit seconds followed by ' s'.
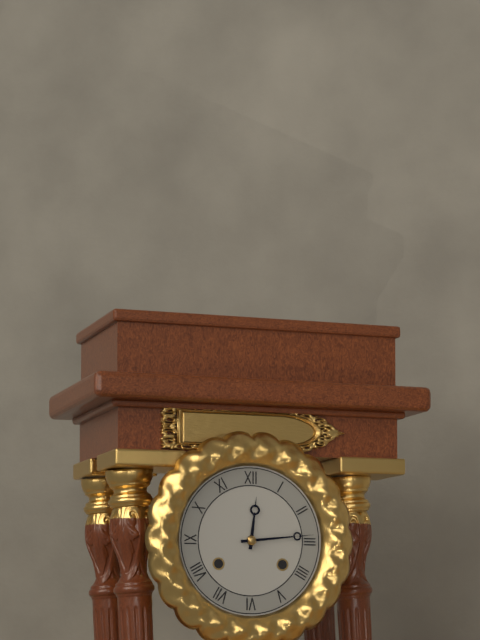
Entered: 12 h 14 min
